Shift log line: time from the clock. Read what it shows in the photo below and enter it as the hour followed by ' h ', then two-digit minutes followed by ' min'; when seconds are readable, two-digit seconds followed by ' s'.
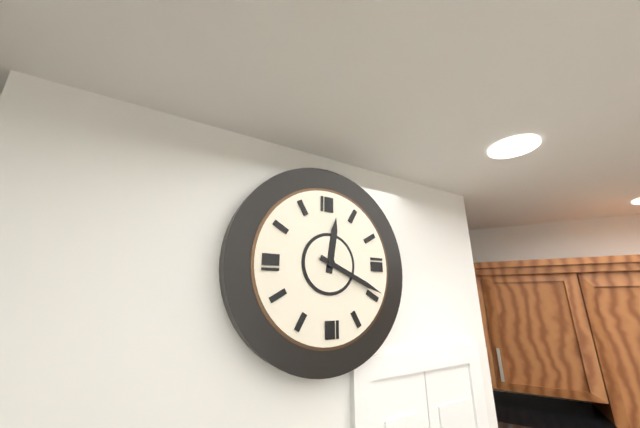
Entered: 12 h 19 min
